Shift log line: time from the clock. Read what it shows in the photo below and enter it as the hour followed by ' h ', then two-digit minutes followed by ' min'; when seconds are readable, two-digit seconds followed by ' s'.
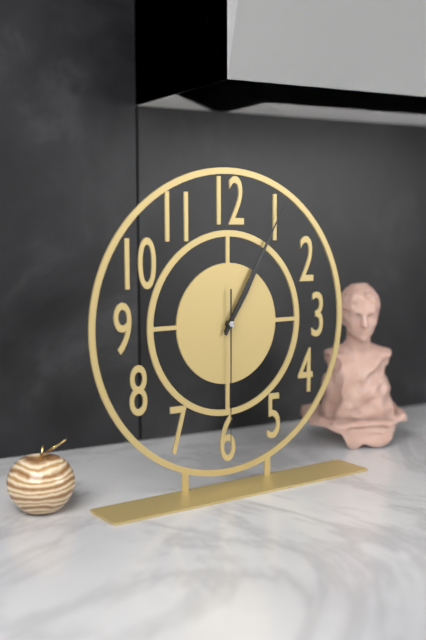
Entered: 1 h 05 min 30 s
